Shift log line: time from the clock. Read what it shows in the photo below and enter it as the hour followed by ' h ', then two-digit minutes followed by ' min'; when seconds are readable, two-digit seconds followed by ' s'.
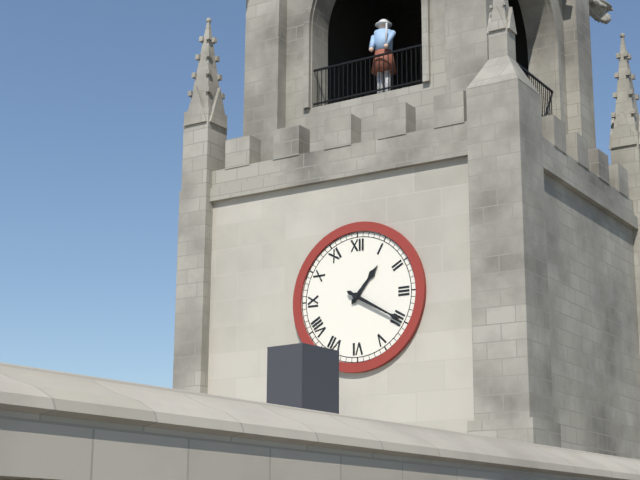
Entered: 1 h 20 min
